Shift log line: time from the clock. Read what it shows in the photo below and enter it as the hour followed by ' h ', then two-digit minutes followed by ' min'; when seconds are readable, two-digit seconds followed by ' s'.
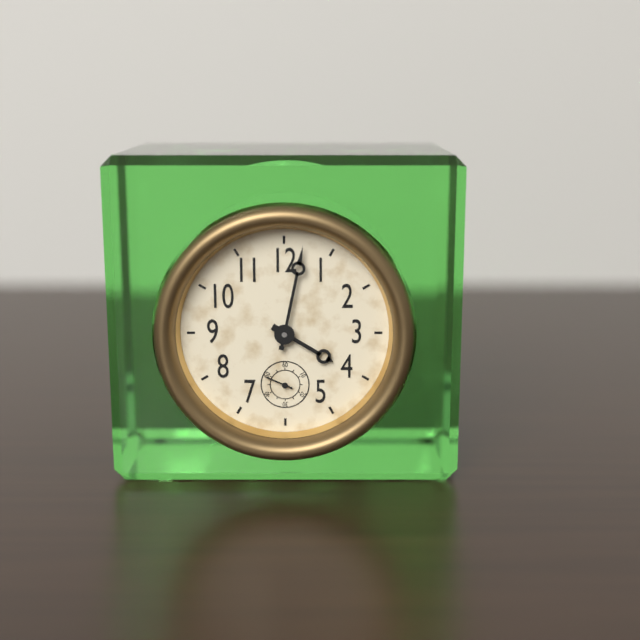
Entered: 4 h 02 min
